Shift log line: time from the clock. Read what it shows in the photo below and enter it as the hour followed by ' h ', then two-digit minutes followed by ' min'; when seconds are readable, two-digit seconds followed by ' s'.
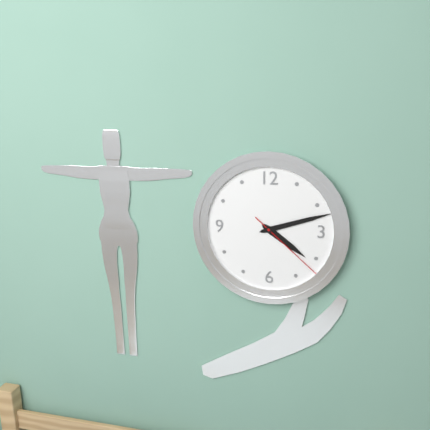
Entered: 4 h 12 min 22 s
